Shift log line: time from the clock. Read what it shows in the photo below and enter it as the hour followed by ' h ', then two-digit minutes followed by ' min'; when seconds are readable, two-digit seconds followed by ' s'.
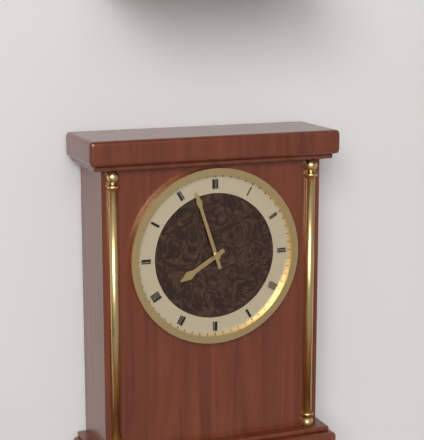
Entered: 7 h 57 min
